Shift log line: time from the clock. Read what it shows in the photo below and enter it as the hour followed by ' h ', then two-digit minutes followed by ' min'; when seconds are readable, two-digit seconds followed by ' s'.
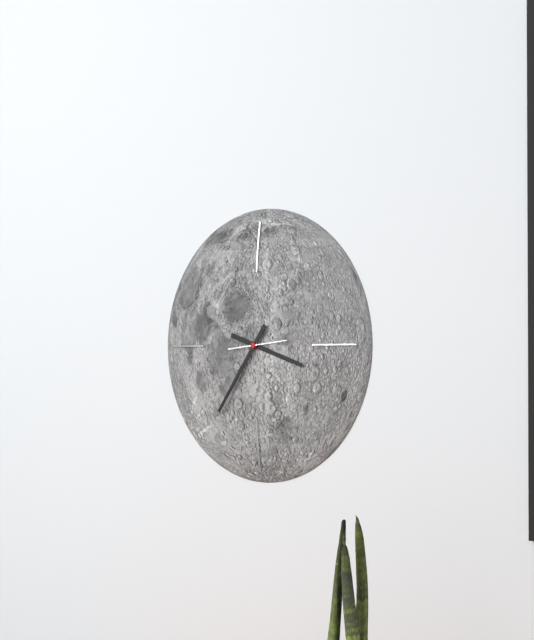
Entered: 3 h 36 min
